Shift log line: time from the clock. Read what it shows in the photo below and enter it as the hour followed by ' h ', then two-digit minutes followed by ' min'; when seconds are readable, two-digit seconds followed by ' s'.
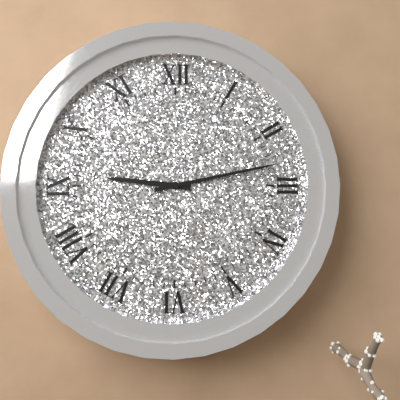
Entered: 9 h 13 min
